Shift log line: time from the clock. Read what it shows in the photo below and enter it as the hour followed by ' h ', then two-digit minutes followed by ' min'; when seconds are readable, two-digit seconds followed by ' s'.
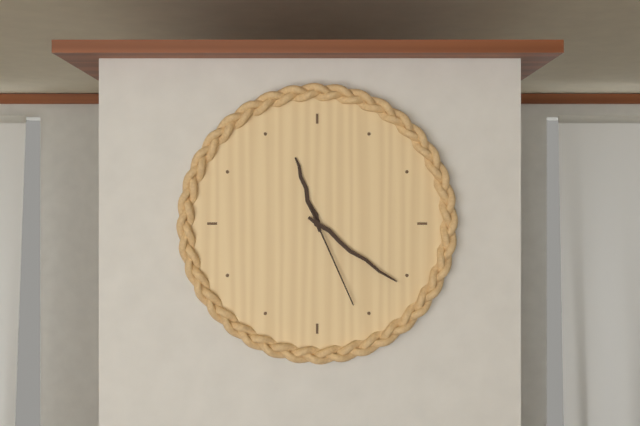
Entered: 11 h 21 min 26 s
